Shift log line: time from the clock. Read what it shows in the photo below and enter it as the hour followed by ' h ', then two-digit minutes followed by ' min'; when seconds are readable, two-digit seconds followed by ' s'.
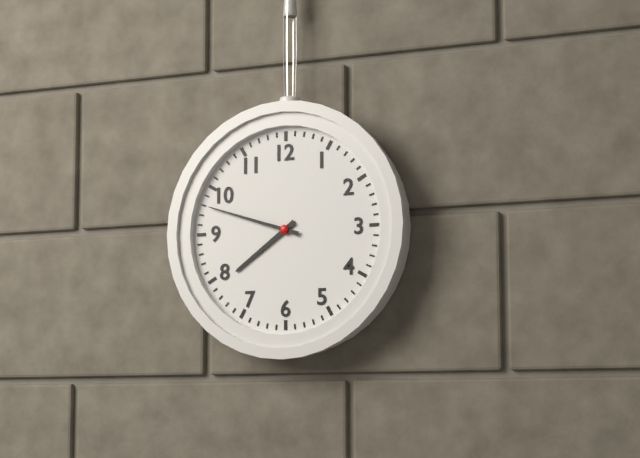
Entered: 7 h 48 min
